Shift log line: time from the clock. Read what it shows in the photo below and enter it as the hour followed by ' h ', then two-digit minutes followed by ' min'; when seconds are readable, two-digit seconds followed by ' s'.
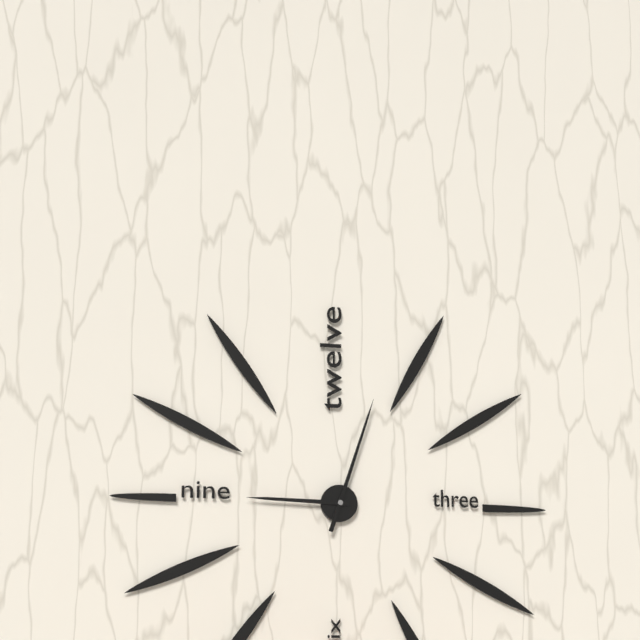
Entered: 9 h 03 min
